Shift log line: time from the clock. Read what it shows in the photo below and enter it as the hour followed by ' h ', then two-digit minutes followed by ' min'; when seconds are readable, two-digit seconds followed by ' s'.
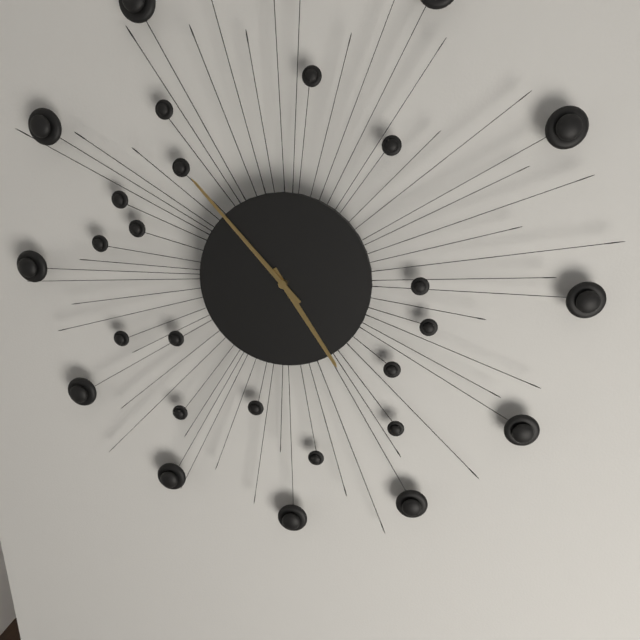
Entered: 4 h 53 min
